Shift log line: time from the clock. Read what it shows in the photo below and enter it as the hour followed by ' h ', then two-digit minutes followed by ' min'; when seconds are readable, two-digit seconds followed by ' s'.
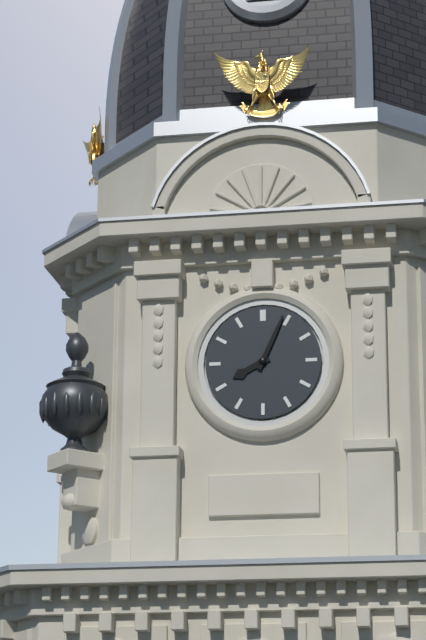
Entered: 8 h 04 min
